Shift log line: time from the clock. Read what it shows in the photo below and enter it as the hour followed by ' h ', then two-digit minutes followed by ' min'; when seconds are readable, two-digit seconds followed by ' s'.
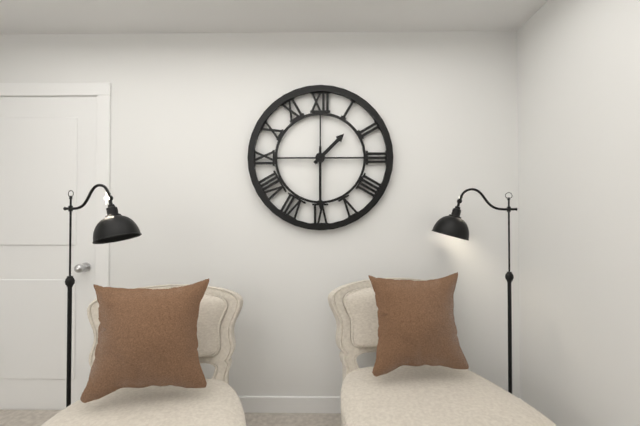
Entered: 1 h 30 min
